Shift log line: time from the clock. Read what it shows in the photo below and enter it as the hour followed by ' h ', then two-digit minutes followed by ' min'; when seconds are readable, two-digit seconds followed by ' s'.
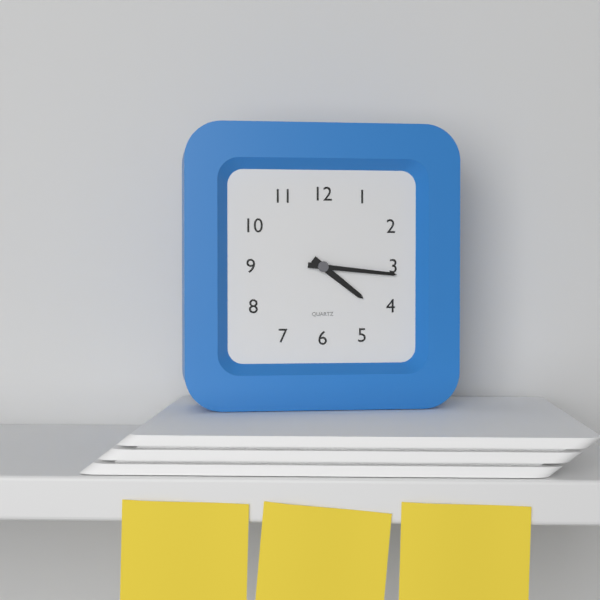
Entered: 4 h 16 min
